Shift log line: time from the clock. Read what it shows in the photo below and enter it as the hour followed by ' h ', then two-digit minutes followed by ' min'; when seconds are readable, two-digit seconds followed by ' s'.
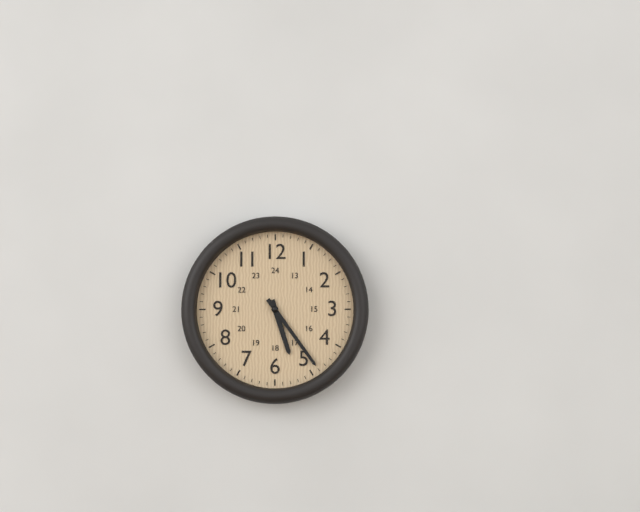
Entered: 5 h 24 min
